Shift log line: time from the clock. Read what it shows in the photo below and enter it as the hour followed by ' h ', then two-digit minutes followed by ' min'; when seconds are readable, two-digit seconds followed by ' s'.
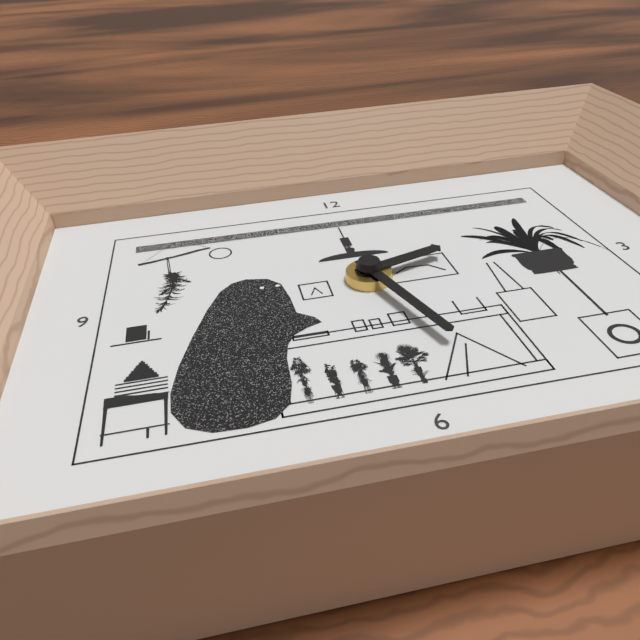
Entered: 2 h 27 min
